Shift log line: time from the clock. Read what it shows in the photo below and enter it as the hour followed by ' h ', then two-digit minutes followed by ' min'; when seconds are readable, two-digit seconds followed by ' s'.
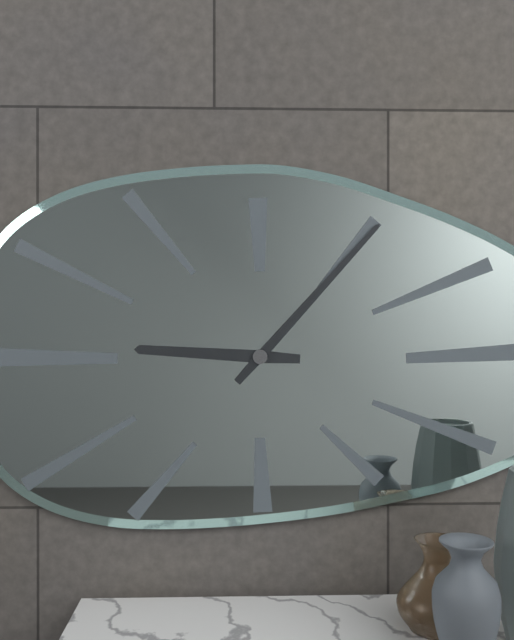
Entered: 9 h 07 min
